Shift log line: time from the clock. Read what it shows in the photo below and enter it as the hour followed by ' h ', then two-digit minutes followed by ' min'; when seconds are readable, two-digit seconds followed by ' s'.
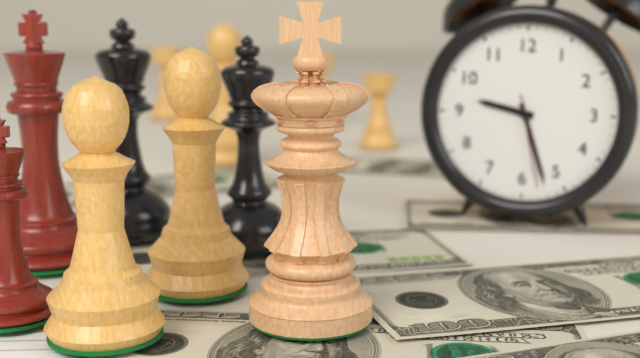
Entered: 9 h 27 min 28 s
